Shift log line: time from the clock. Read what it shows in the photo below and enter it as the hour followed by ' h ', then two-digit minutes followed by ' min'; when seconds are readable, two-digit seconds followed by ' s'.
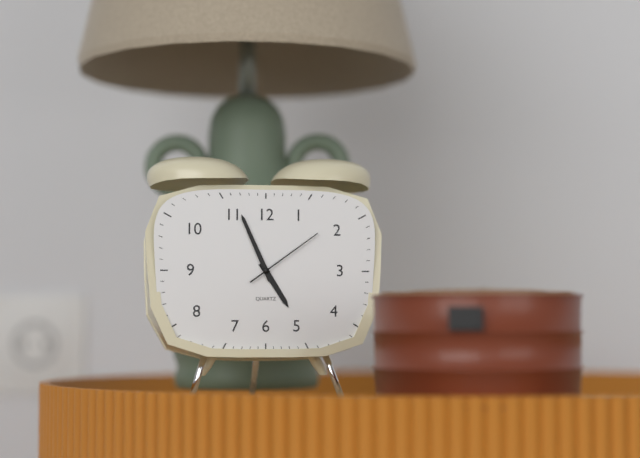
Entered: 4 h 56 min 09 s
